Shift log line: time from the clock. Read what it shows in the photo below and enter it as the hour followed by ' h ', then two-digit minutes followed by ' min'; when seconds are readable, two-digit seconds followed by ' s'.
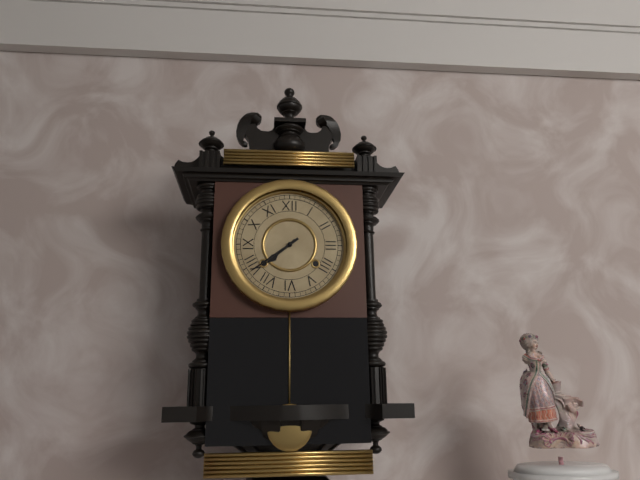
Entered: 7 h 39 min
